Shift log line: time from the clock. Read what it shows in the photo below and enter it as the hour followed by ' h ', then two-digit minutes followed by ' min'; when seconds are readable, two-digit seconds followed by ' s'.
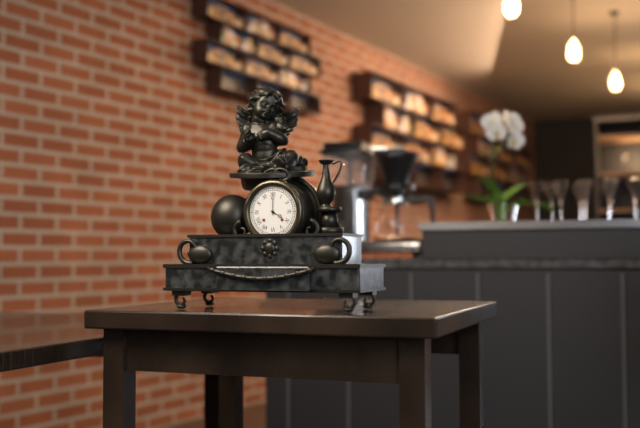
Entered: 4 h 00 min
